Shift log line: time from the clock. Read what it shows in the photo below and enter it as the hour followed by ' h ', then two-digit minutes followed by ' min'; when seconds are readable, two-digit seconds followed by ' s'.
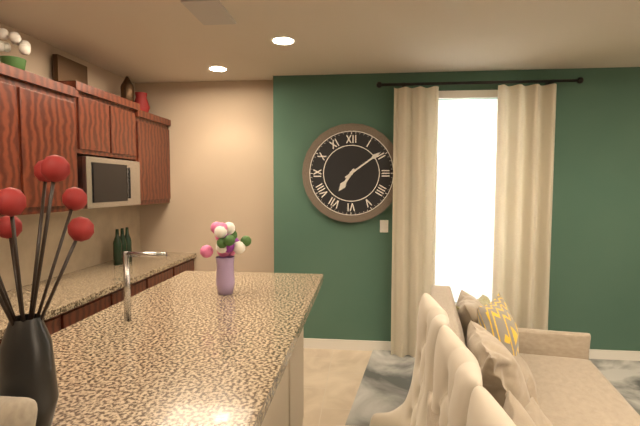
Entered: 7 h 09 min
